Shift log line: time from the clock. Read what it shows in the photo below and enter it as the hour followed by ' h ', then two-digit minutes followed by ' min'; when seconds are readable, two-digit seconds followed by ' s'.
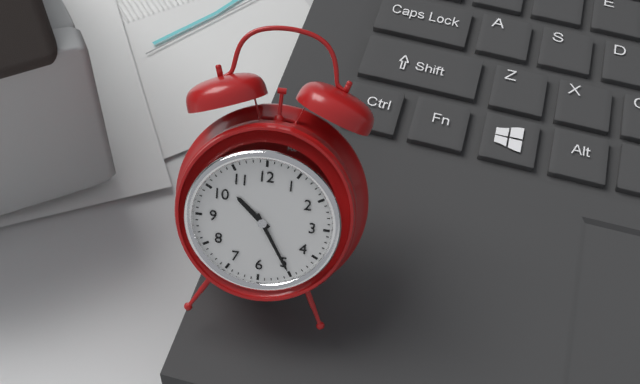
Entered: 10 h 25 min
